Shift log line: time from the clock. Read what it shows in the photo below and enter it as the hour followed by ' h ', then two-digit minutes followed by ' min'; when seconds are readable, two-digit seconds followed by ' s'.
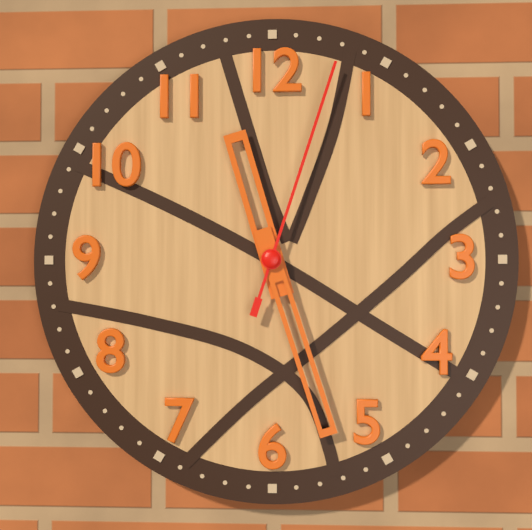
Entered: 11 h 27 min 03 s
